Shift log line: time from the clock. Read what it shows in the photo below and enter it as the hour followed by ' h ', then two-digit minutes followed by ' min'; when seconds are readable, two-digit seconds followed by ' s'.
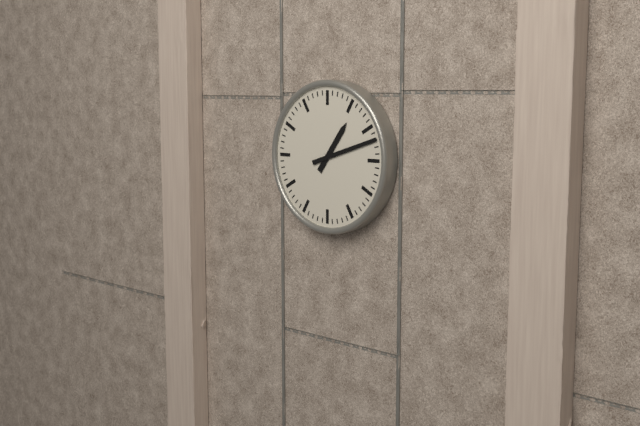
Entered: 1 h 12 min
